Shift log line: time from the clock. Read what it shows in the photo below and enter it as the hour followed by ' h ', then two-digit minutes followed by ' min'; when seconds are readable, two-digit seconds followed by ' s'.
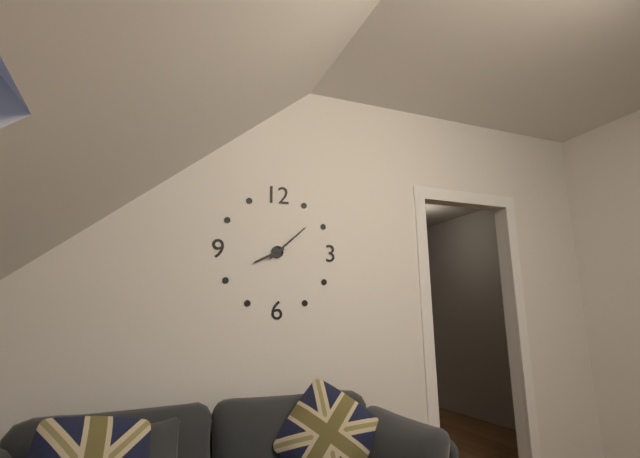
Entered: 8 h 08 min
